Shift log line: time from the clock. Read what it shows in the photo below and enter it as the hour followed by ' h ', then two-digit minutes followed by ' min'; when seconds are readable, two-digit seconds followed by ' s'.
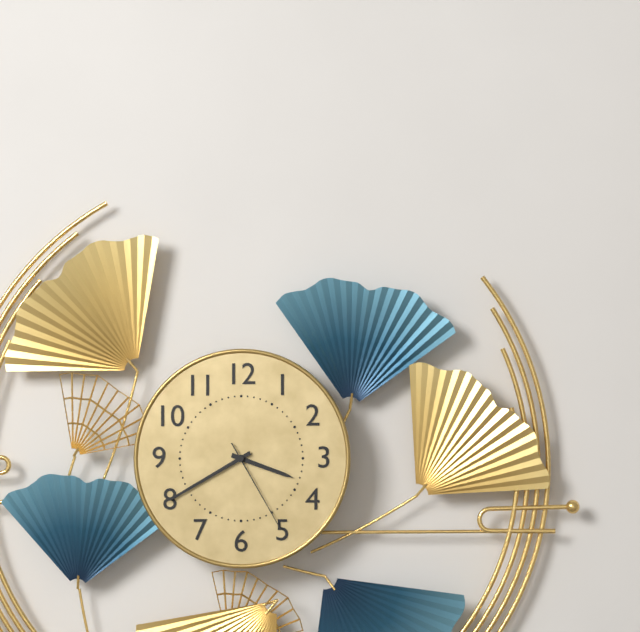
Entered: 3 h 40 min 25 s
